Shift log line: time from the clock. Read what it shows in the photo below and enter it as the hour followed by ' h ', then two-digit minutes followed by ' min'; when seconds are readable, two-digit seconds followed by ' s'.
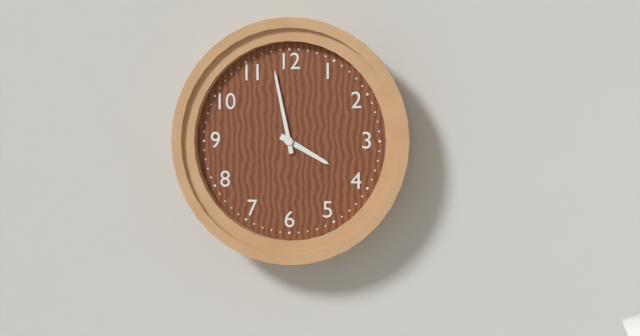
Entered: 3 h 58 min
